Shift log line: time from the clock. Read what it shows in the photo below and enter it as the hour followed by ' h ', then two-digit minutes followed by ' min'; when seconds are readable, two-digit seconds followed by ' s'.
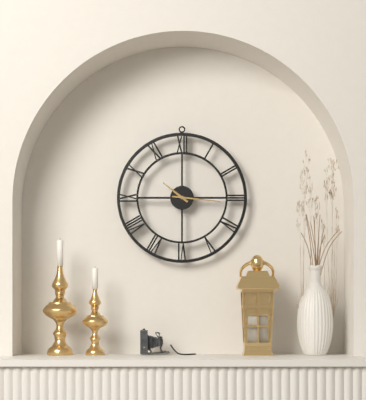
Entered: 10 h 16 min
